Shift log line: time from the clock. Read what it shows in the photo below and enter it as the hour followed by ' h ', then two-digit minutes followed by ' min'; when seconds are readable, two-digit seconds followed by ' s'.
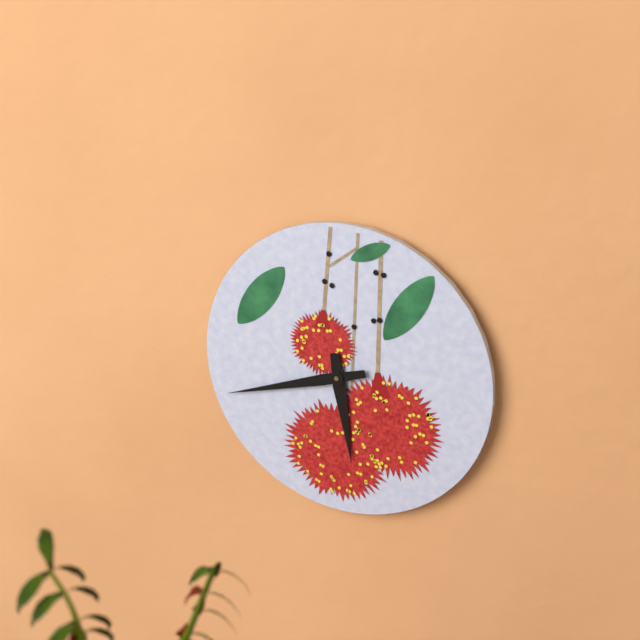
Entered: 5 h 42 min
